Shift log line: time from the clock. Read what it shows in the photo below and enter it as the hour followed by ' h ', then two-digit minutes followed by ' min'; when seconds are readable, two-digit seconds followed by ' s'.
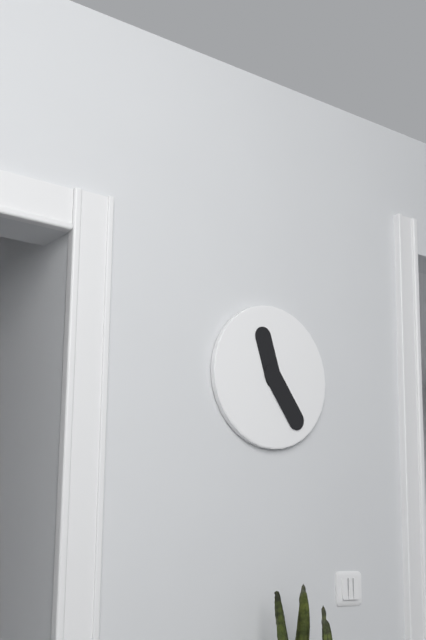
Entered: 11 h 24 min
